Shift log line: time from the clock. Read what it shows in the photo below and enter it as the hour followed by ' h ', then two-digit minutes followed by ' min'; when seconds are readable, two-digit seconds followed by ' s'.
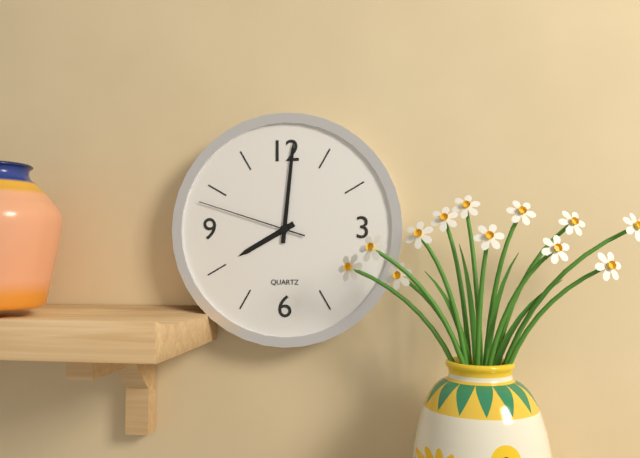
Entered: 8 h 01 min 48 s
